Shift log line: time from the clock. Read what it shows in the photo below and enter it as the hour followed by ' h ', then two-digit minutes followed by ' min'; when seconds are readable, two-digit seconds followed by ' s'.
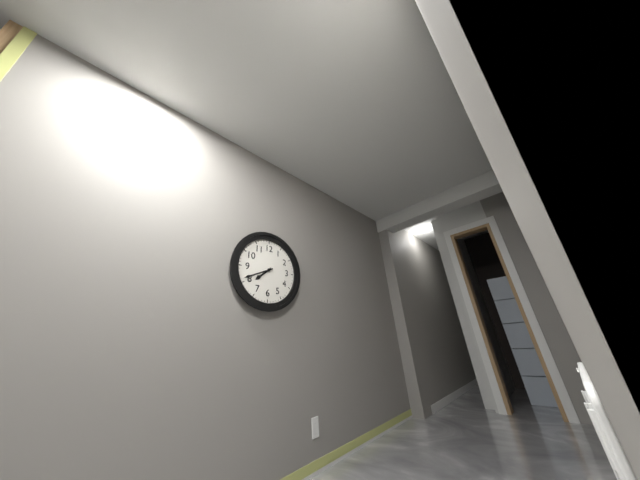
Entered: 7 h 41 min
